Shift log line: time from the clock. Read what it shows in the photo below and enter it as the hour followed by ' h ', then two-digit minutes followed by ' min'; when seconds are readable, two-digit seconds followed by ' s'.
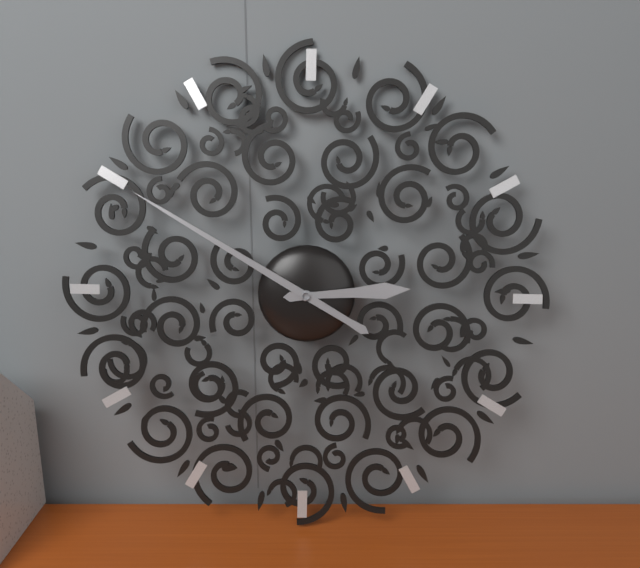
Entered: 2 h 50 min
